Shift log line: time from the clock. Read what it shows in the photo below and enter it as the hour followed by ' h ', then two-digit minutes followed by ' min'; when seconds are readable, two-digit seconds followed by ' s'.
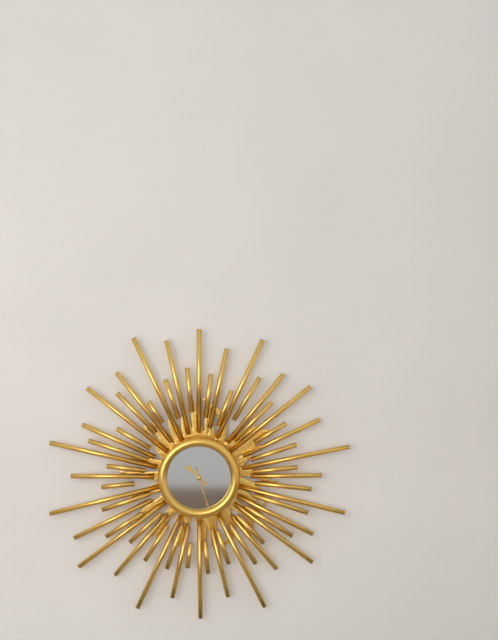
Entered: 10 h 27 min
